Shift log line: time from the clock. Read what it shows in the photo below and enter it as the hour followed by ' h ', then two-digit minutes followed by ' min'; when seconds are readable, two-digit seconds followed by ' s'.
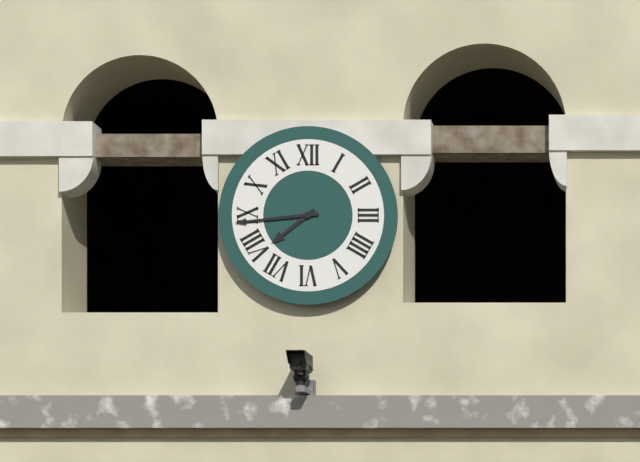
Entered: 7 h 44 min
